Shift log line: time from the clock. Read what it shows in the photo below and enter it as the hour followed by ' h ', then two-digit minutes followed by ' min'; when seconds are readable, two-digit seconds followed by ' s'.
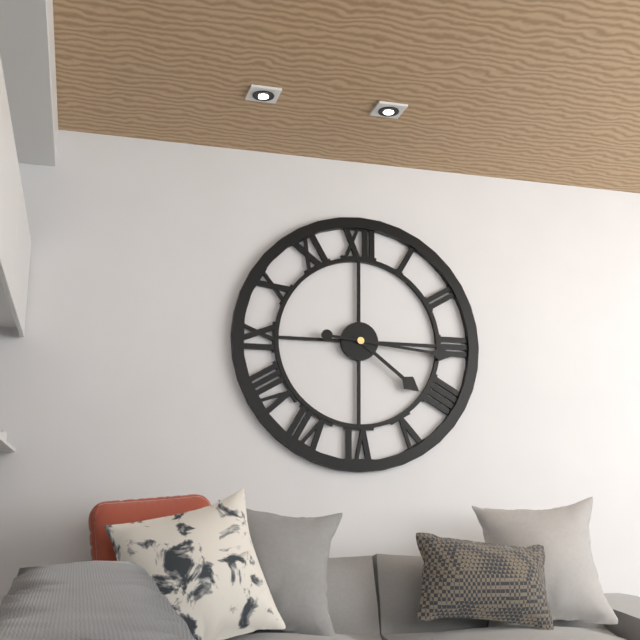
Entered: 4 h 16 min
